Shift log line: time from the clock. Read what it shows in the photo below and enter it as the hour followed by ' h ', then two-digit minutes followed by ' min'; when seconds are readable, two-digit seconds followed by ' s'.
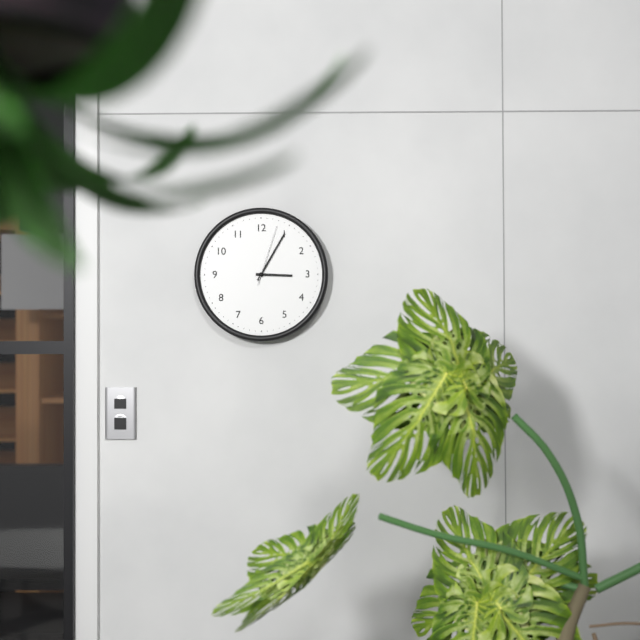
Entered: 3 h 05 min 03 s
